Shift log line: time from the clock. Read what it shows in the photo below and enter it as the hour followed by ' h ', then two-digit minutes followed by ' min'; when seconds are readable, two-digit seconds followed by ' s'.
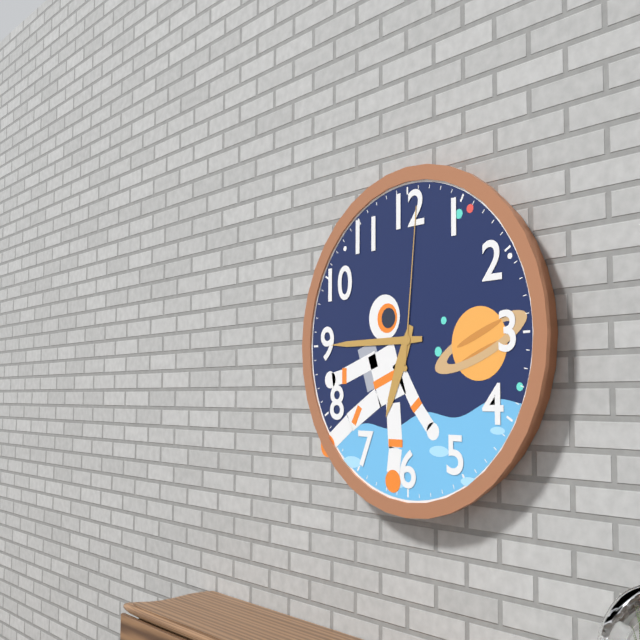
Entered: 6 h 45 min 01 s
